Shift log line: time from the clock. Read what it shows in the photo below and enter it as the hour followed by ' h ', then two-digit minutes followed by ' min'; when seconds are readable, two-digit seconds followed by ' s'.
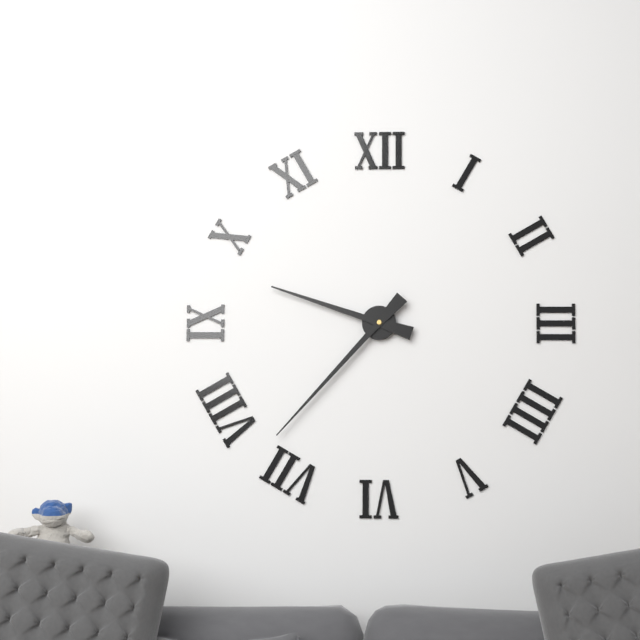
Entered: 9 h 37 min
